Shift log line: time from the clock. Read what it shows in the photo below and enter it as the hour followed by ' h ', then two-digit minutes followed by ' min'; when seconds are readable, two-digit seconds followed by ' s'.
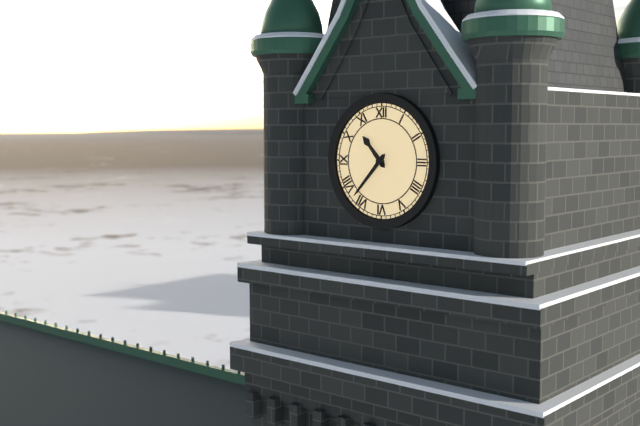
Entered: 10 h 37 min
